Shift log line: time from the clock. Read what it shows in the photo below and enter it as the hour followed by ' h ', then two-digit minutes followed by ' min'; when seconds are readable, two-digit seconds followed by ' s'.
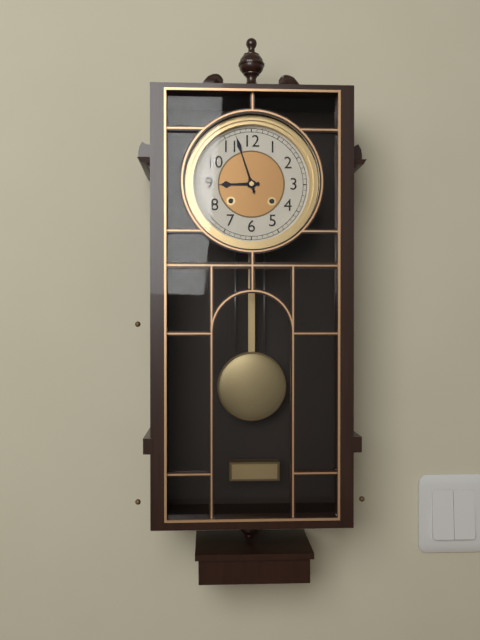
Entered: 8 h 57 min
